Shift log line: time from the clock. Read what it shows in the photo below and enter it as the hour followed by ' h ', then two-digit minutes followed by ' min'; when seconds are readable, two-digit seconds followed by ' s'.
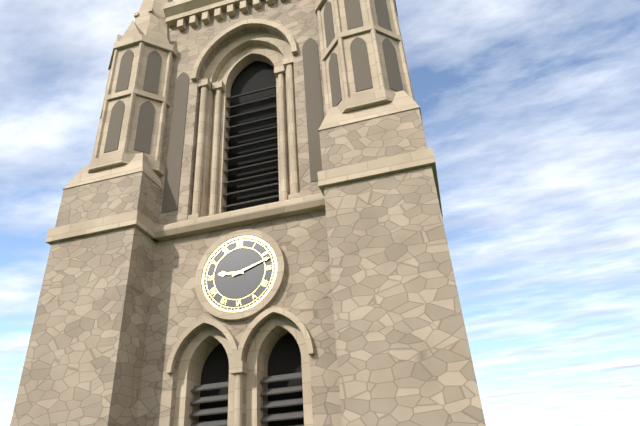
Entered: 9 h 12 min
